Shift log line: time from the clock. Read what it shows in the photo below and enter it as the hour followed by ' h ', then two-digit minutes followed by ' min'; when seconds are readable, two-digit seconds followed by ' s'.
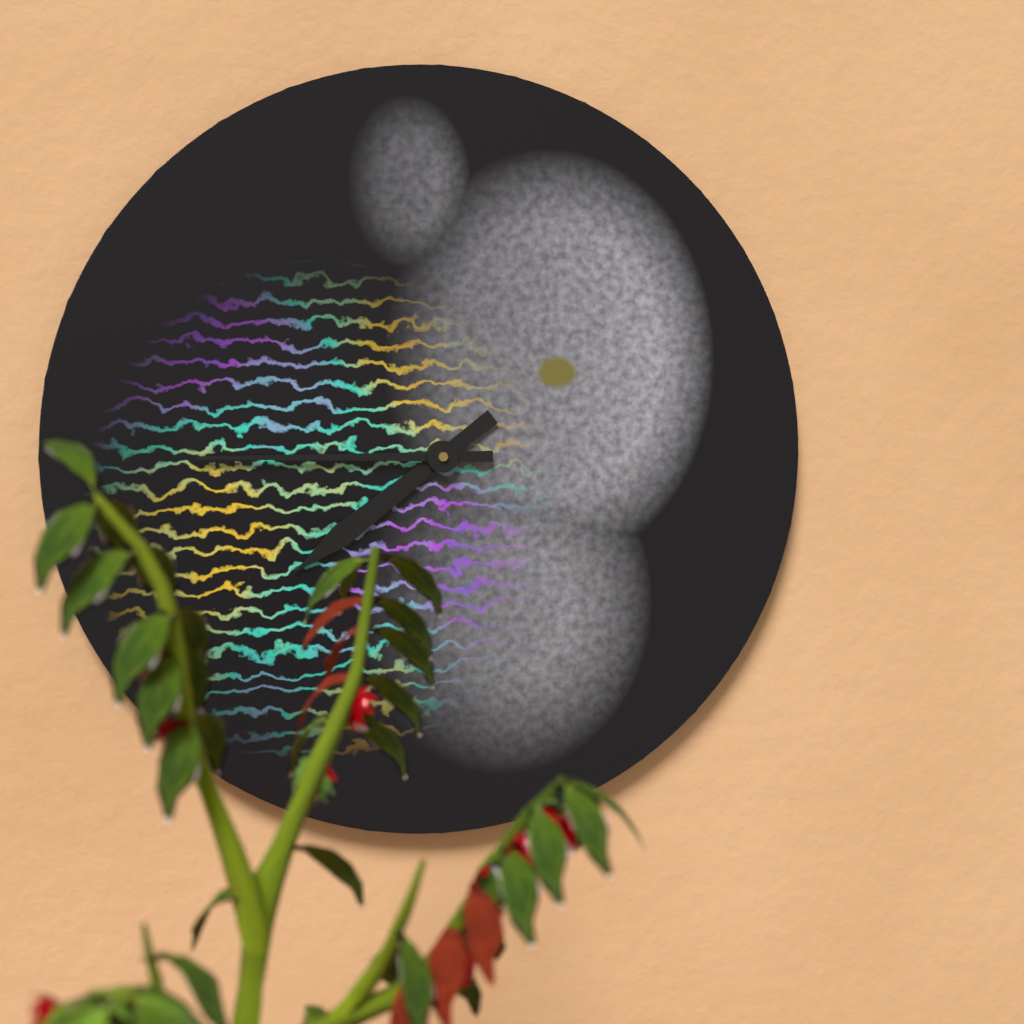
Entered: 7 h 45 min
